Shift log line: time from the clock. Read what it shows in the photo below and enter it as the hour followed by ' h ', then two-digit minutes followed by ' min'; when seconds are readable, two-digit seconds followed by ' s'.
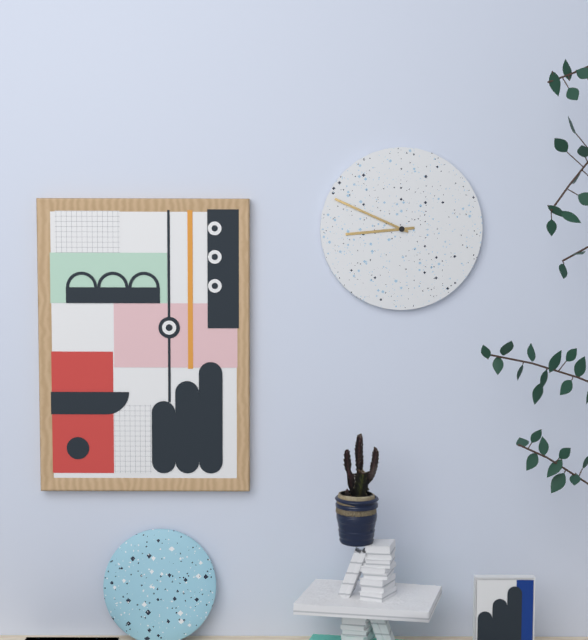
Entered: 8 h 49 min
